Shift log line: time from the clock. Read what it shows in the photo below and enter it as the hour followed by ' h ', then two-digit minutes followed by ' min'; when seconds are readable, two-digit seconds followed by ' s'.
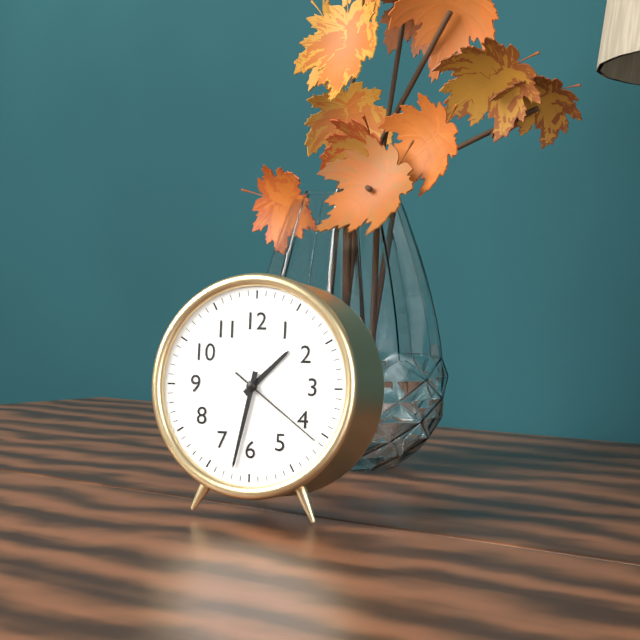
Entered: 1 h 32 min 21 s
